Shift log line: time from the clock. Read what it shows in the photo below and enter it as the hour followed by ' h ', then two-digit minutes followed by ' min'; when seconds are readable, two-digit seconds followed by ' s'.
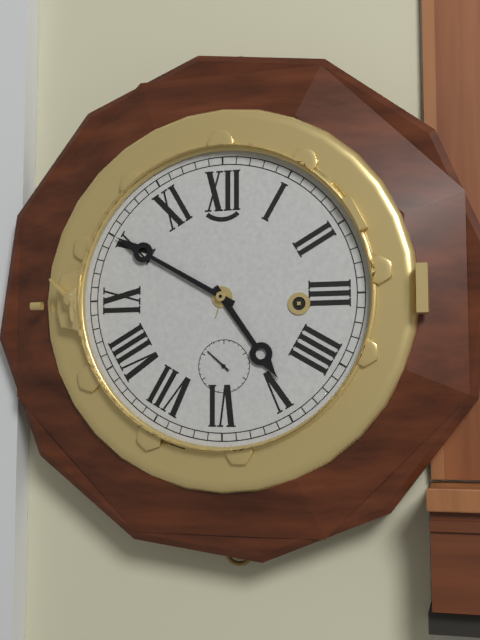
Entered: 4 h 50 min 52 s
